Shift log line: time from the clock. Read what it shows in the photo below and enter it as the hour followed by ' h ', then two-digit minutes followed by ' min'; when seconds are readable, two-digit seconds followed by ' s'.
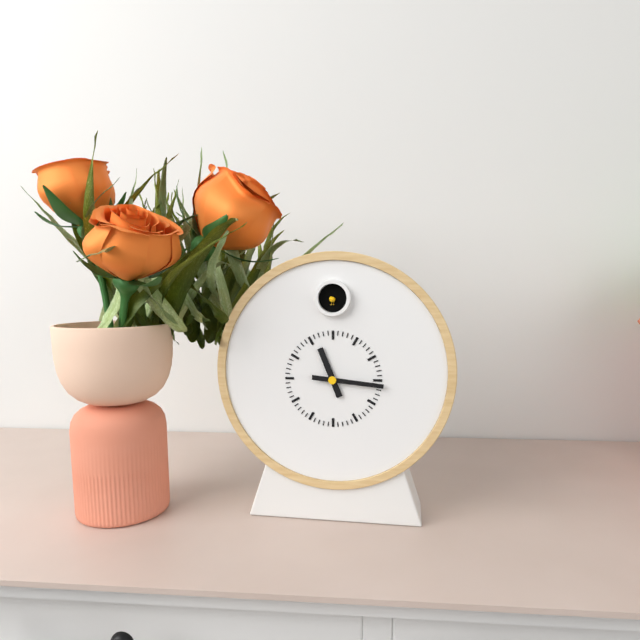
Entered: 11 h 16 min
